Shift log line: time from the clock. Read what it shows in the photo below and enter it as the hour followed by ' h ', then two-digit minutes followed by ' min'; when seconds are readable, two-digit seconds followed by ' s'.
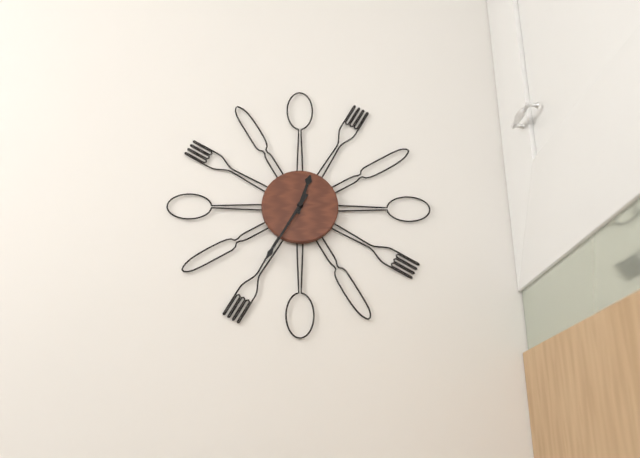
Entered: 12 h 35 min
